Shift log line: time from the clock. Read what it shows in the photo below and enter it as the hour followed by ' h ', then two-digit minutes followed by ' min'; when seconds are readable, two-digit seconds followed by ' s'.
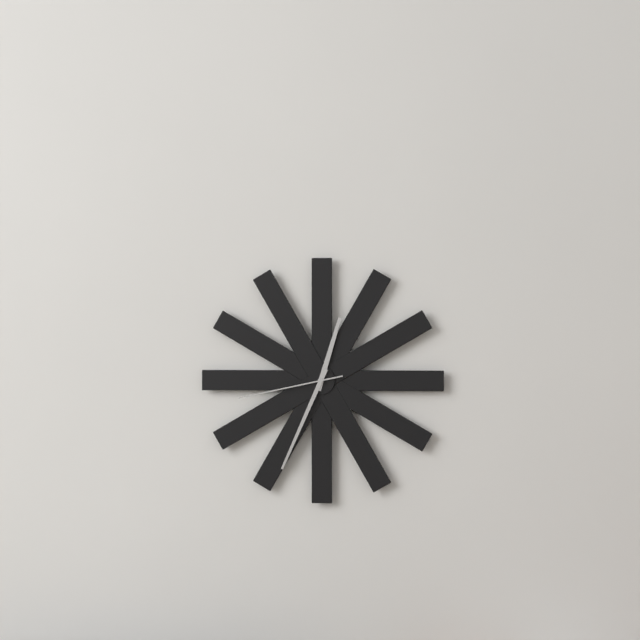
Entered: 12 h 34 min 43 s
